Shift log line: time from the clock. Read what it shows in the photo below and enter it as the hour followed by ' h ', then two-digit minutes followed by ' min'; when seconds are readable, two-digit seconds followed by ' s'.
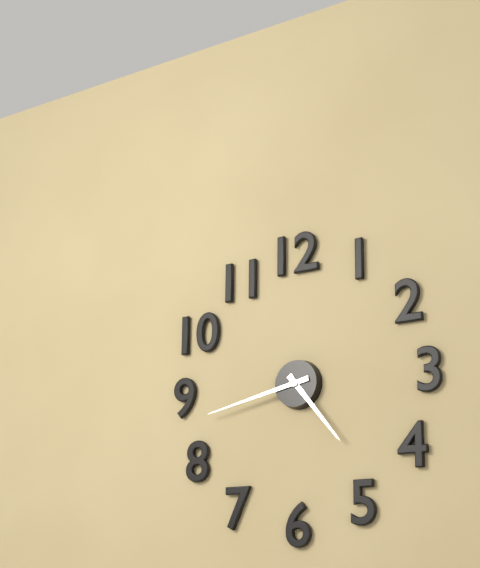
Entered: 4 h 43 min
